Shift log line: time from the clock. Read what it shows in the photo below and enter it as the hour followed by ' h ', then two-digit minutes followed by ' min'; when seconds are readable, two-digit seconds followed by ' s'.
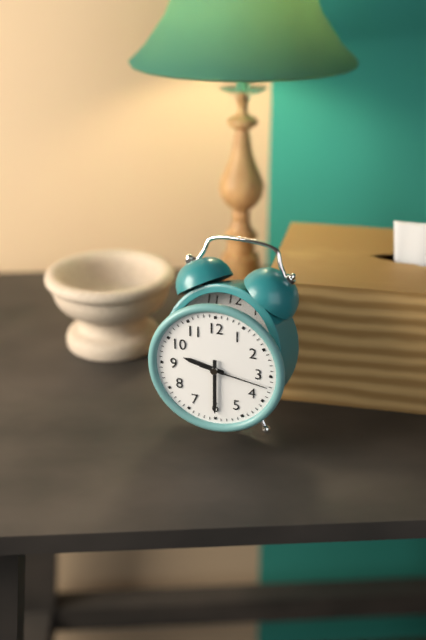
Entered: 9 h 30 min 17 s
